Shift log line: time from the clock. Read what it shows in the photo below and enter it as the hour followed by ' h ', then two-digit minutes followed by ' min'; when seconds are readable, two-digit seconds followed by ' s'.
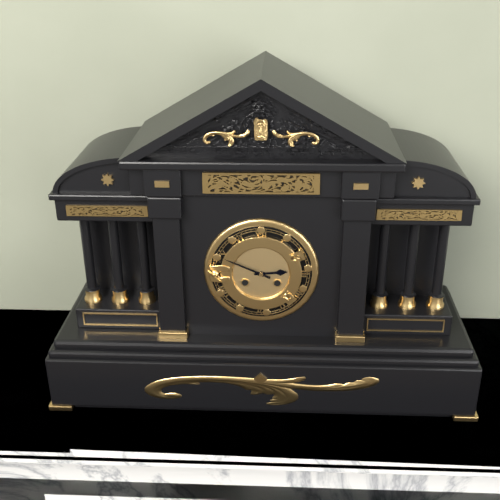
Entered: 2 h 49 min
